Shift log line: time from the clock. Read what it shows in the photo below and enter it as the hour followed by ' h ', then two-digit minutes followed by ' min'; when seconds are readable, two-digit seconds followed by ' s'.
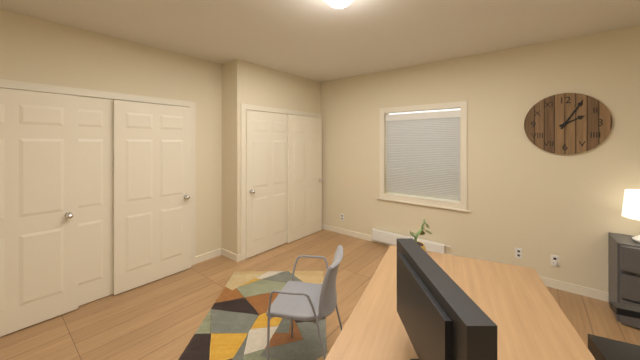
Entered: 2 h 05 min
